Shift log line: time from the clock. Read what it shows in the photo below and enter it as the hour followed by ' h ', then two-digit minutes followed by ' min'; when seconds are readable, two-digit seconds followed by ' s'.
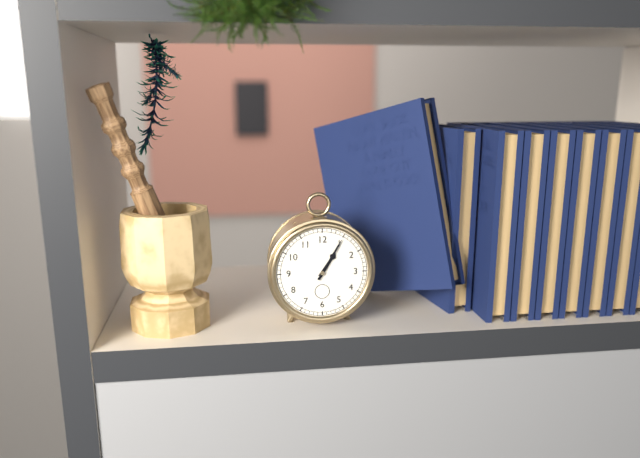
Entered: 1 h 05 min
